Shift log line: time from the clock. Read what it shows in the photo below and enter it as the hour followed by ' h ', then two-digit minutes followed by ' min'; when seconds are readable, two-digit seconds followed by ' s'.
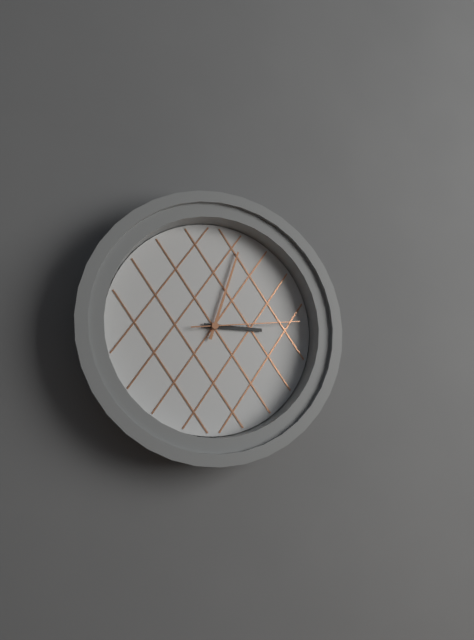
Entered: 3 h 03 min 14 s
